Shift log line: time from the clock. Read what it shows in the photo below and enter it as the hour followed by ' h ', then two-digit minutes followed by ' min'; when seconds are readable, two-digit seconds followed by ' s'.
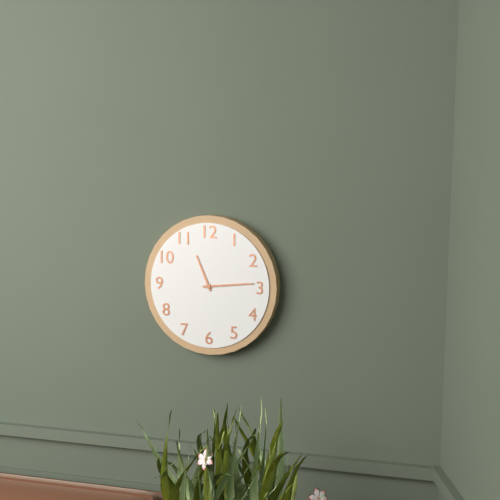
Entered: 11 h 14 min
